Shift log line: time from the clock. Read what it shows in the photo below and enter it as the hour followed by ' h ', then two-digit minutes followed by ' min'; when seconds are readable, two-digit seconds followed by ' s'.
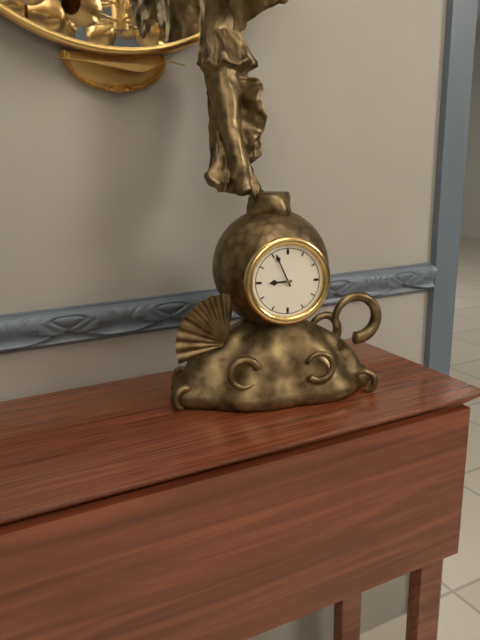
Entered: 8 h 56 min
